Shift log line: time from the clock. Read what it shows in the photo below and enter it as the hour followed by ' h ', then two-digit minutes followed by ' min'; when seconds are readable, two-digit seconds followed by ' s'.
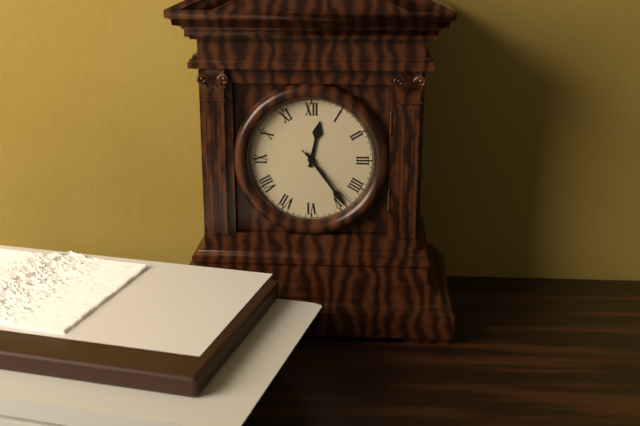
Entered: 12 h 24 min 23 s
